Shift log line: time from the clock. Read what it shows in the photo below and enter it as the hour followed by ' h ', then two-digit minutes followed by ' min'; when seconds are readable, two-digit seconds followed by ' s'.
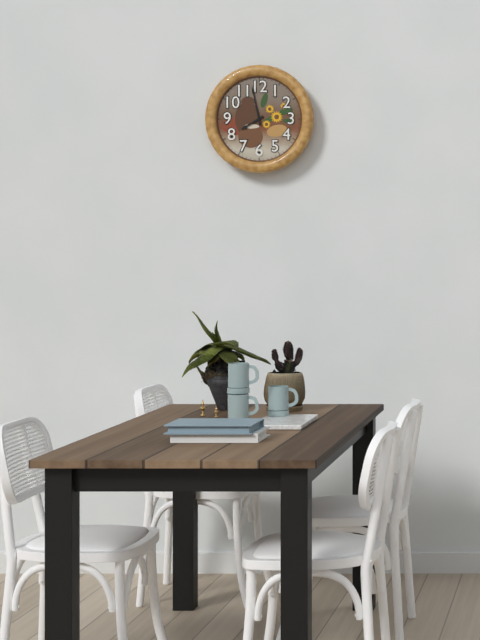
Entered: 7 h 58 min
